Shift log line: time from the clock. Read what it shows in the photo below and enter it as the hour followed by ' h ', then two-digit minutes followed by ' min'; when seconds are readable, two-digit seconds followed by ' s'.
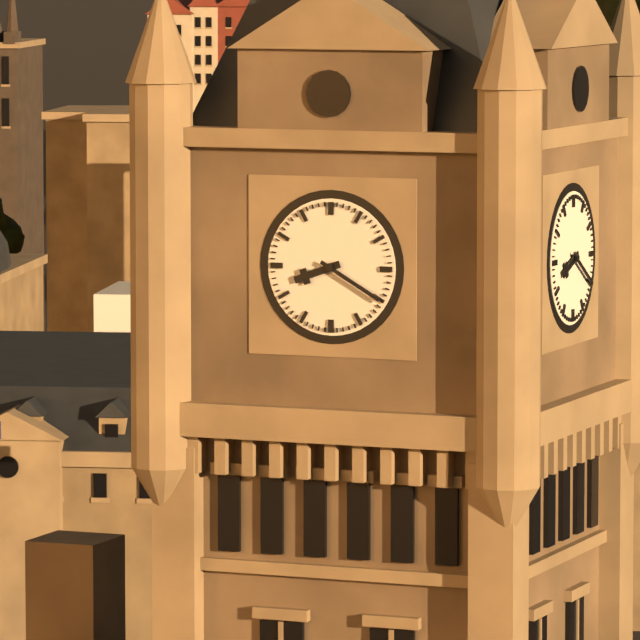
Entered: 8 h 20 min
